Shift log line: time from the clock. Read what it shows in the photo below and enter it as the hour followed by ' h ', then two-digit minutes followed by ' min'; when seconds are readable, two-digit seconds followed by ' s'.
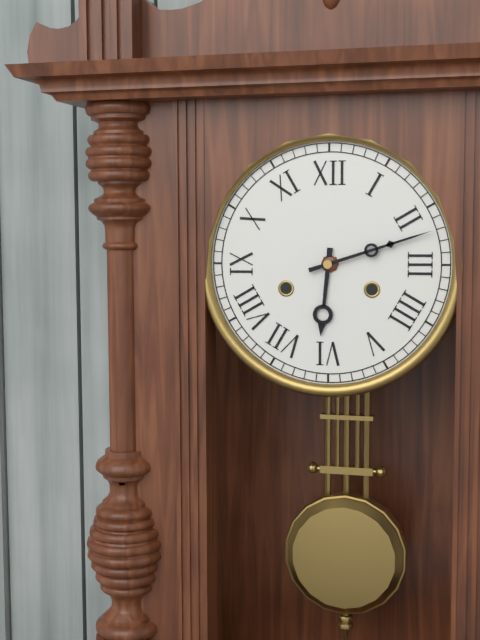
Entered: 6 h 12 min
